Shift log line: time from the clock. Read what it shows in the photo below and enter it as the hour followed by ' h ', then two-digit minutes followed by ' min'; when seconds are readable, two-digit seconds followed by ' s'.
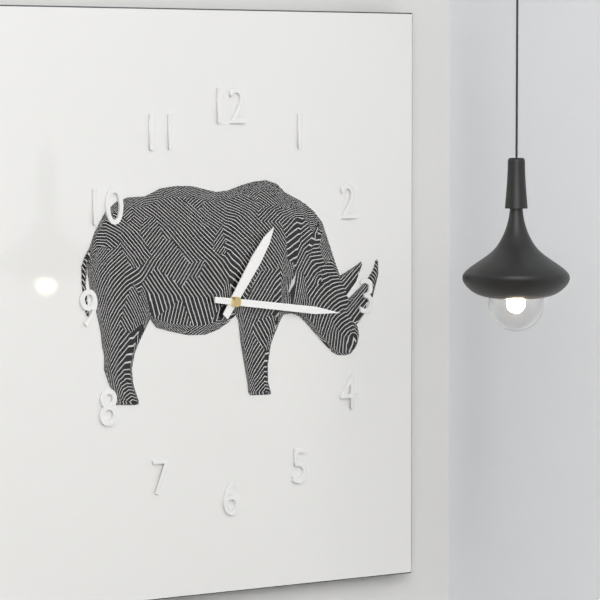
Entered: 1 h 16 min
